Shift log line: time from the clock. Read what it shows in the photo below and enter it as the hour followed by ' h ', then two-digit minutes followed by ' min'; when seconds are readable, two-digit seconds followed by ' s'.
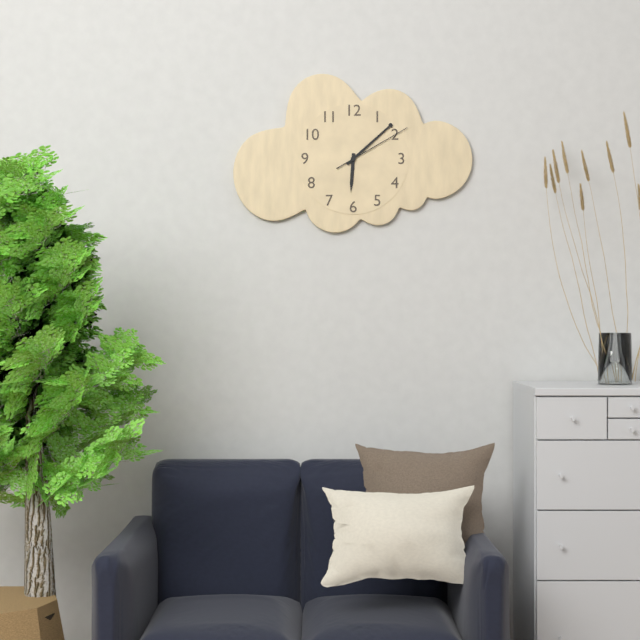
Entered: 6 h 08 min 10 s
